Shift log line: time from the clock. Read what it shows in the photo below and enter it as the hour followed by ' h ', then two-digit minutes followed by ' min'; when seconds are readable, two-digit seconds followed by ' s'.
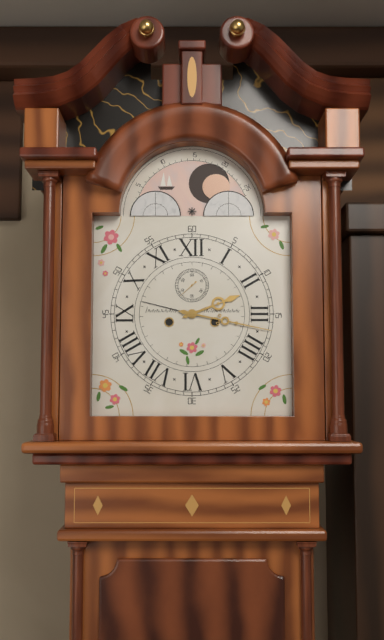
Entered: 2 h 17 min
